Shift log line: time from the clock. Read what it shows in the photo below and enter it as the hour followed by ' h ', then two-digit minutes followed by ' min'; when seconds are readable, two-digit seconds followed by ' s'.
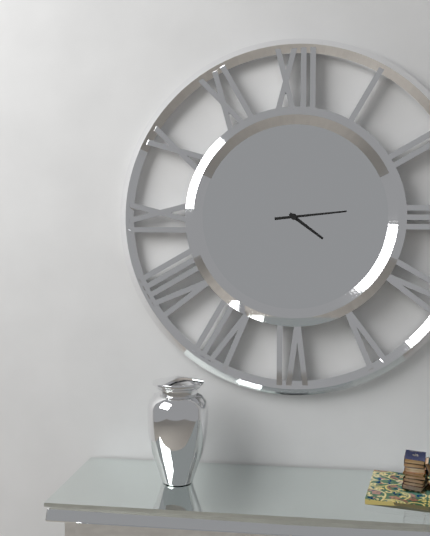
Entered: 4 h 14 min
